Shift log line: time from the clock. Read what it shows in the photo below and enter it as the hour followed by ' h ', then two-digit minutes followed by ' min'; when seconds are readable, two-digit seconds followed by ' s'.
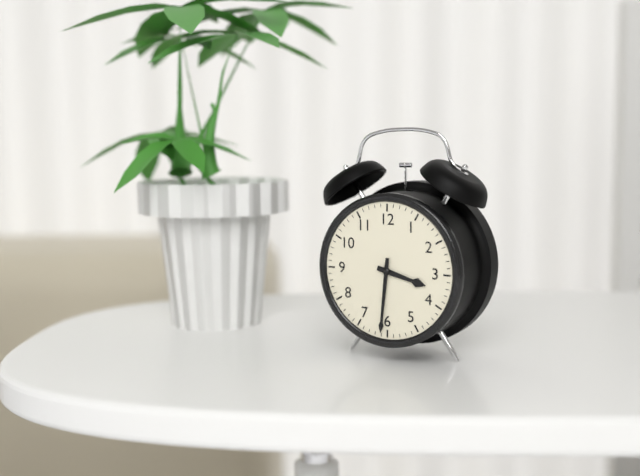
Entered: 3 h 31 min
